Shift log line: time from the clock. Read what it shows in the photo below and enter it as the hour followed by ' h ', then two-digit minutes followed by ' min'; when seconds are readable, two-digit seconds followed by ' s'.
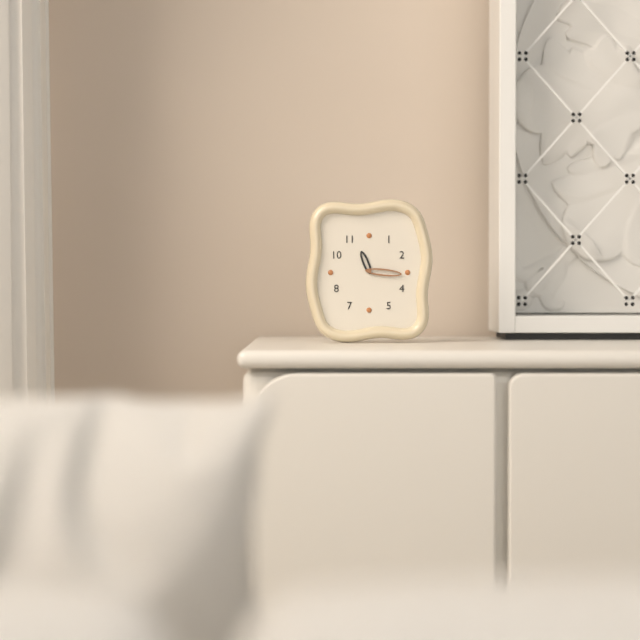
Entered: 11 h 16 min
